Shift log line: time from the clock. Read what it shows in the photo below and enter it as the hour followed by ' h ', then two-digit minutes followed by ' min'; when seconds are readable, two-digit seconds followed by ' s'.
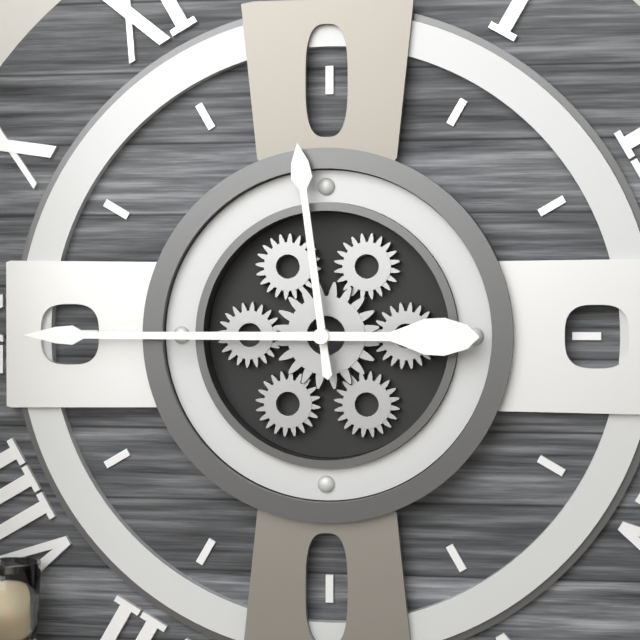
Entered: 11 h 45 min
